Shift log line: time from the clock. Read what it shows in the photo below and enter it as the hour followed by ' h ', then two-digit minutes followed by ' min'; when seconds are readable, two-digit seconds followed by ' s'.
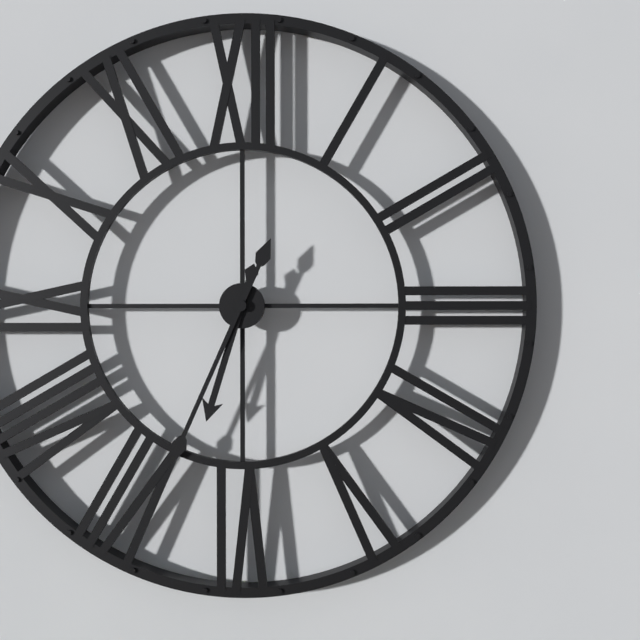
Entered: 6 h 34 min
